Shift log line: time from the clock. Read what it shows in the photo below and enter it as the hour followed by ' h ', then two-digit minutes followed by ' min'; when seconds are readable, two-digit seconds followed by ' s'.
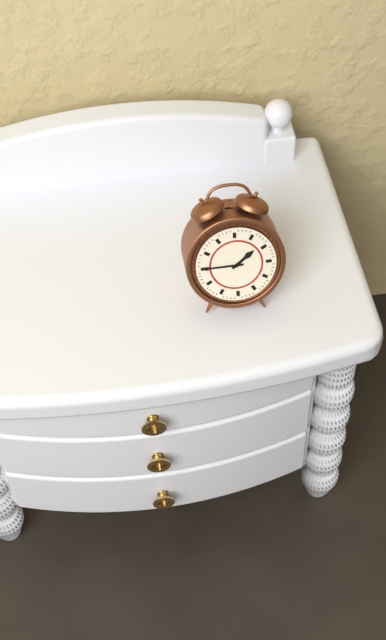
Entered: 1 h 45 min
